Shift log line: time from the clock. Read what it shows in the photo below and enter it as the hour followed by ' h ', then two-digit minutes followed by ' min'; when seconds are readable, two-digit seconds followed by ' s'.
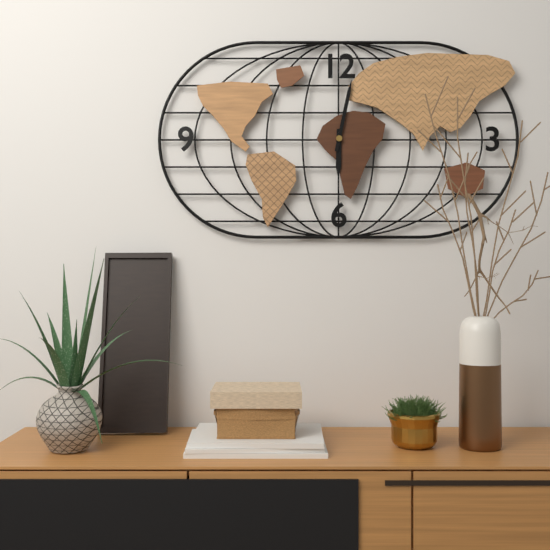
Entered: 6 h 02 min
